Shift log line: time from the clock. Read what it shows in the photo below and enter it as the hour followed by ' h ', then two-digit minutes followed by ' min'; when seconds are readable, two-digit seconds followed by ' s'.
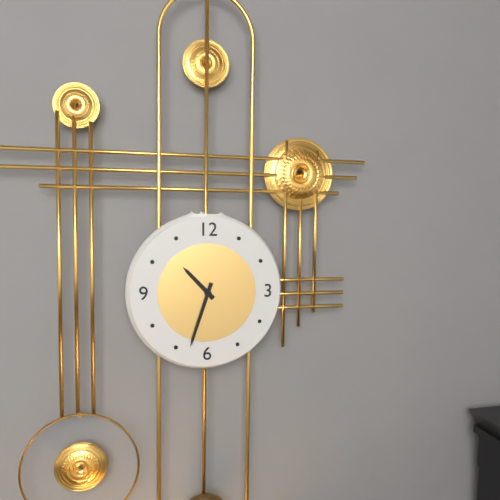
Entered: 10 h 33 min
